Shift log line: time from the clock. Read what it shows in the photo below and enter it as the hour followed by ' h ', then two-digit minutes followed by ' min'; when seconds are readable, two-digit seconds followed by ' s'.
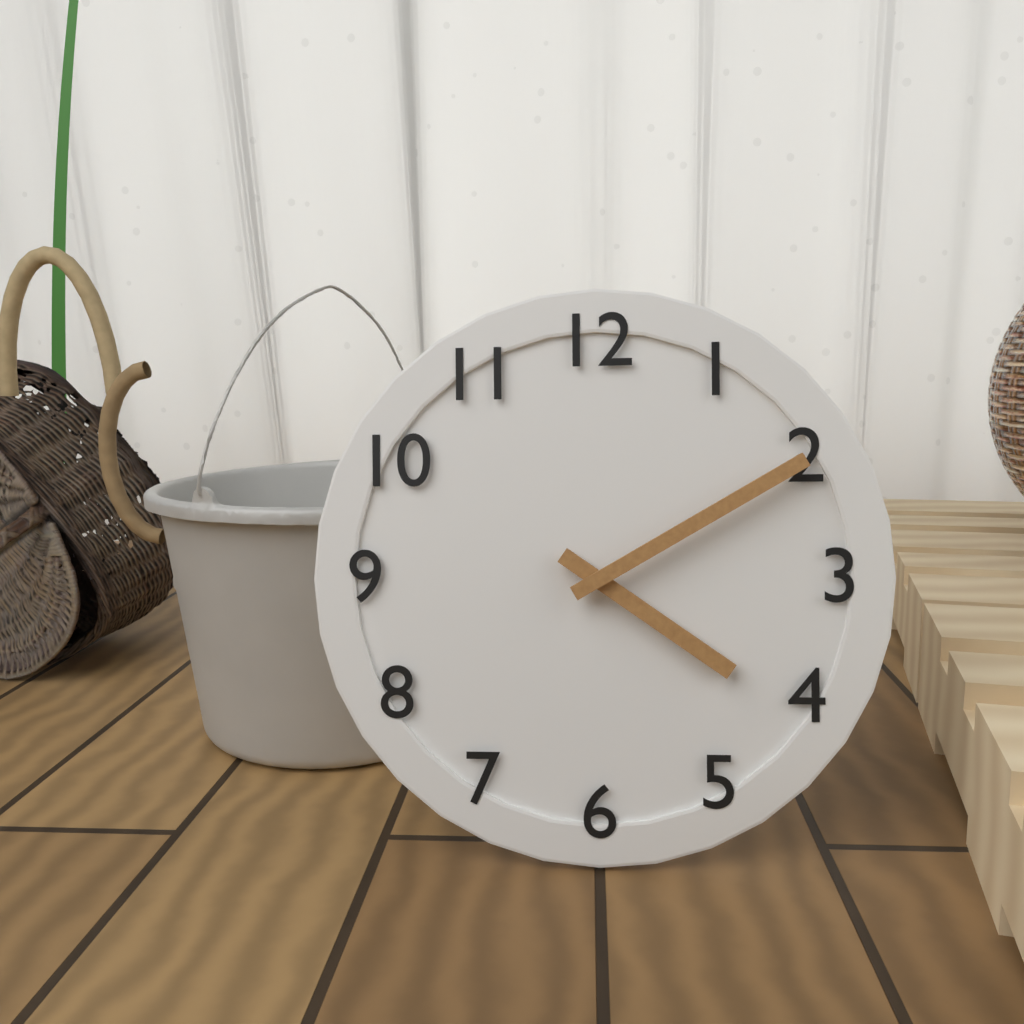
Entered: 4 h 10 min
